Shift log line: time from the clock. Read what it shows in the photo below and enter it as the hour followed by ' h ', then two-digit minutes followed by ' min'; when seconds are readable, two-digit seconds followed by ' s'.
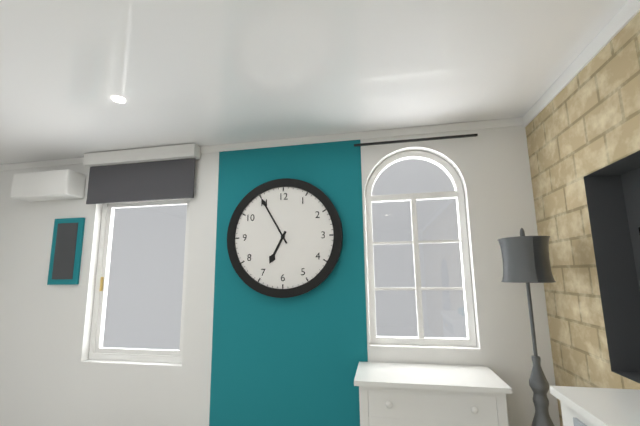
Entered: 6 h 55 min
